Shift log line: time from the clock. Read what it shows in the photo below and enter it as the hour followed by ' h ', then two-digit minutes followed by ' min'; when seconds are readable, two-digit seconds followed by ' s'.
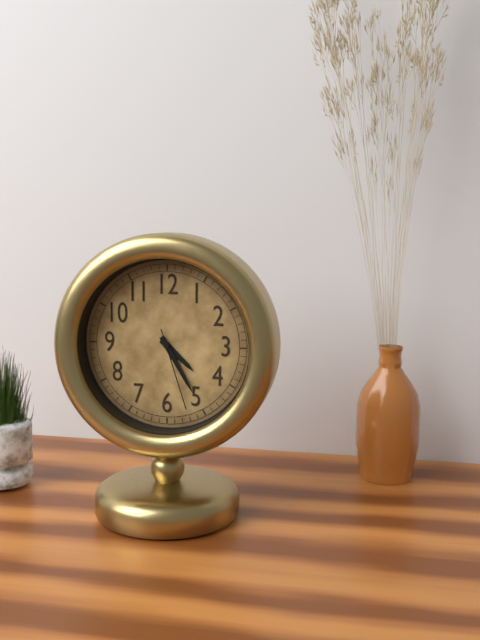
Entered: 4 h 25 min 27 s
